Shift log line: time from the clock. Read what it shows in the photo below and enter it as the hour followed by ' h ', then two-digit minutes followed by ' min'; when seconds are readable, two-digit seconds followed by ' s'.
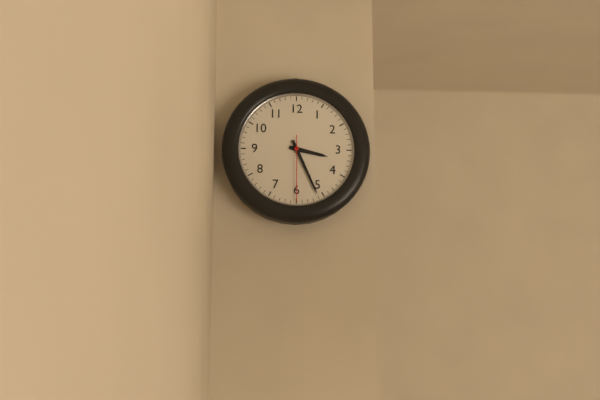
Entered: 3 h 26 min 30 s
